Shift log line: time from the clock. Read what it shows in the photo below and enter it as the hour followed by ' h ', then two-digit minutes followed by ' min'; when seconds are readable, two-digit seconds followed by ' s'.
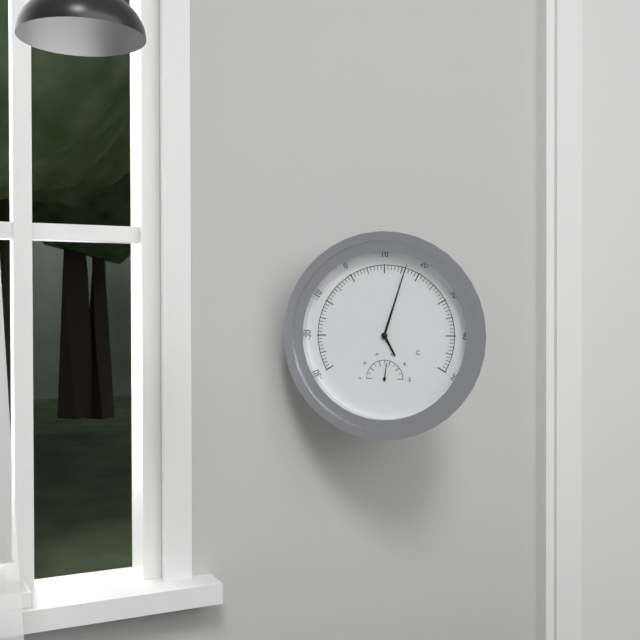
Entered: 5 h 03 min
